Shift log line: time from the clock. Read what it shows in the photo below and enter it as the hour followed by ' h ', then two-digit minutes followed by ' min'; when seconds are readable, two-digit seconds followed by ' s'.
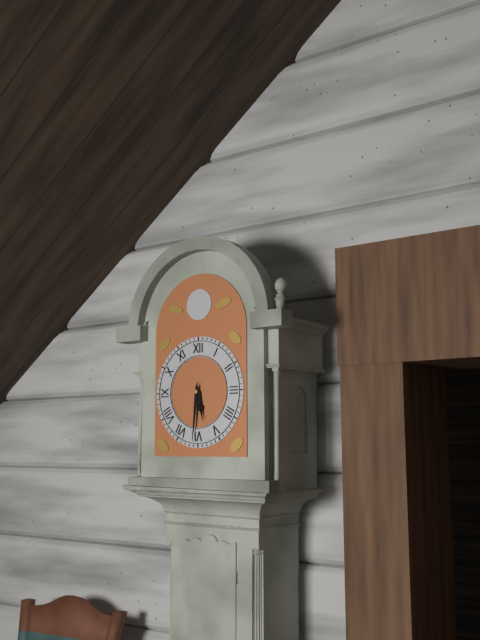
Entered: 5 h 31 min
